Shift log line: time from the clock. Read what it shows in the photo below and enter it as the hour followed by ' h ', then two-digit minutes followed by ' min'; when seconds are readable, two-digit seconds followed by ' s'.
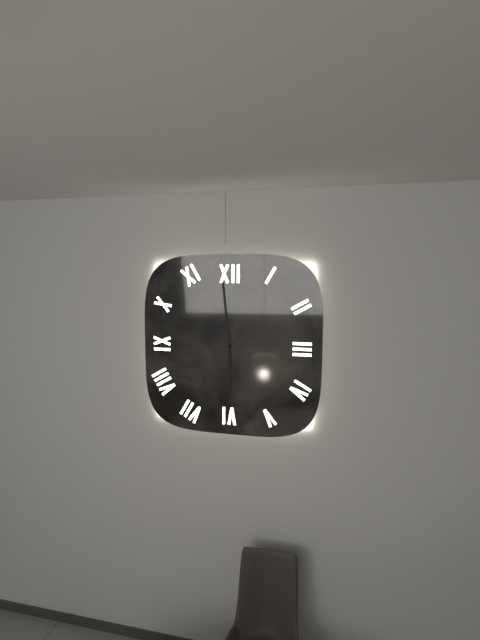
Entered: 5 h 59 min
